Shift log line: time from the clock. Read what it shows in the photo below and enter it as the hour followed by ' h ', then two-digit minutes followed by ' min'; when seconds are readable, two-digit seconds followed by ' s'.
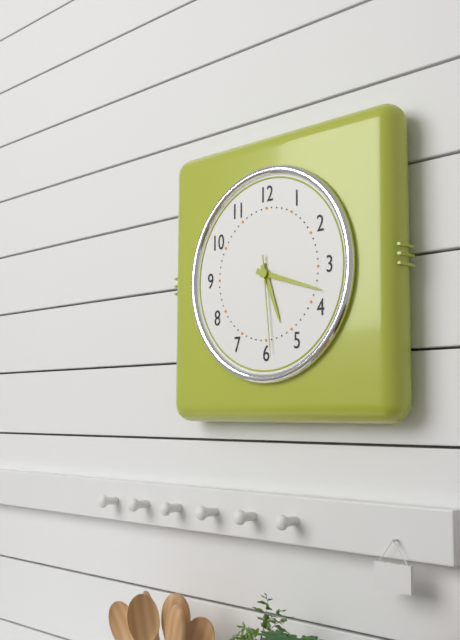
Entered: 5 h 18 min 29 s
